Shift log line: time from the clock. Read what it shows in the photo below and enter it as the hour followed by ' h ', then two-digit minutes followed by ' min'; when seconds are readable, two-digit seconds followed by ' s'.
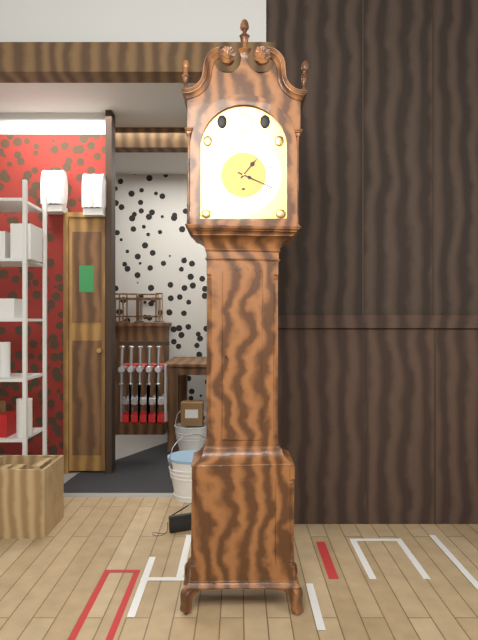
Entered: 1 h 19 min
